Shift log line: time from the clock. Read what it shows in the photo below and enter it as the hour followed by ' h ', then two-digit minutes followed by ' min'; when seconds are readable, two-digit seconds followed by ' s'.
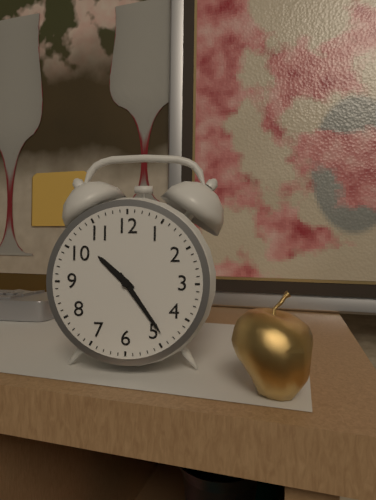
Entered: 10 h 24 min
